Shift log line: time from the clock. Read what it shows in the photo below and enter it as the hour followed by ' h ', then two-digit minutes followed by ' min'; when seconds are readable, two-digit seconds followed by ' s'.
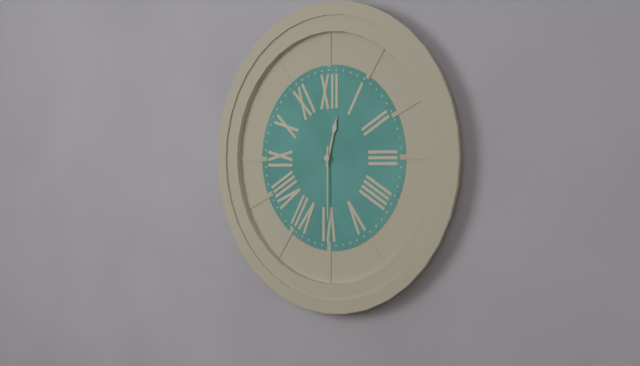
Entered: 12 h 30 min
